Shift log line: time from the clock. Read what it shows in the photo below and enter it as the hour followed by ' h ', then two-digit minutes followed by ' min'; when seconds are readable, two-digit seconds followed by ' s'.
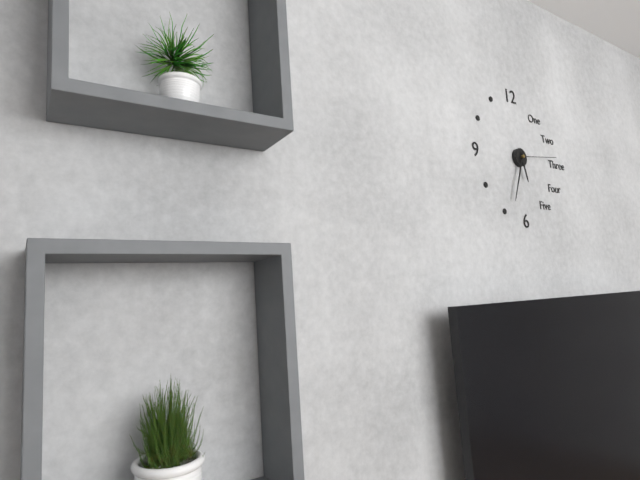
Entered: 5 h 34 min
